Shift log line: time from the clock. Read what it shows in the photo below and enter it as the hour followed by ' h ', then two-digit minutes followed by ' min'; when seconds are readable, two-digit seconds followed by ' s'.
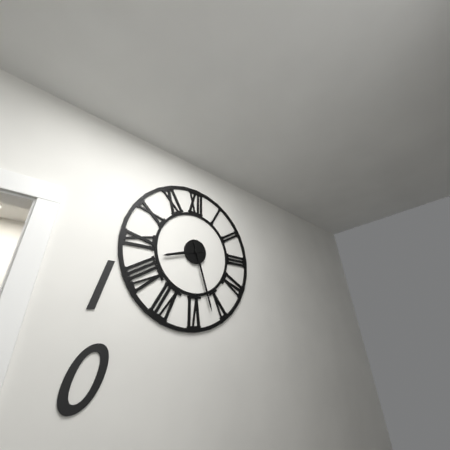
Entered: 8 h 27 min
